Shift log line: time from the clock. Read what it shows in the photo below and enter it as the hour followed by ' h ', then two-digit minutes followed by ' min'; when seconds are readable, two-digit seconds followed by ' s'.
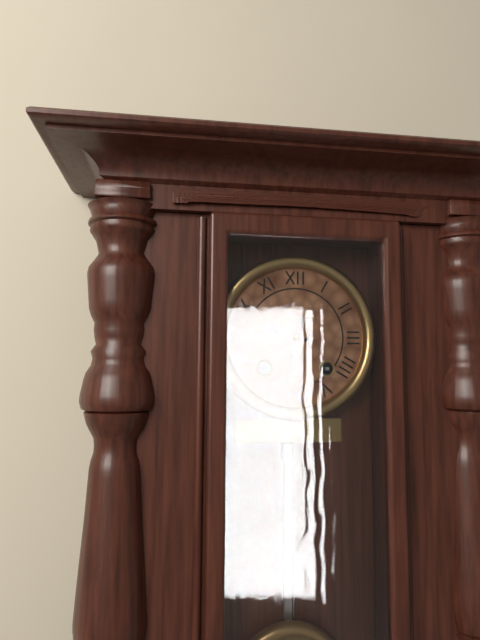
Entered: 9 h 32 min
